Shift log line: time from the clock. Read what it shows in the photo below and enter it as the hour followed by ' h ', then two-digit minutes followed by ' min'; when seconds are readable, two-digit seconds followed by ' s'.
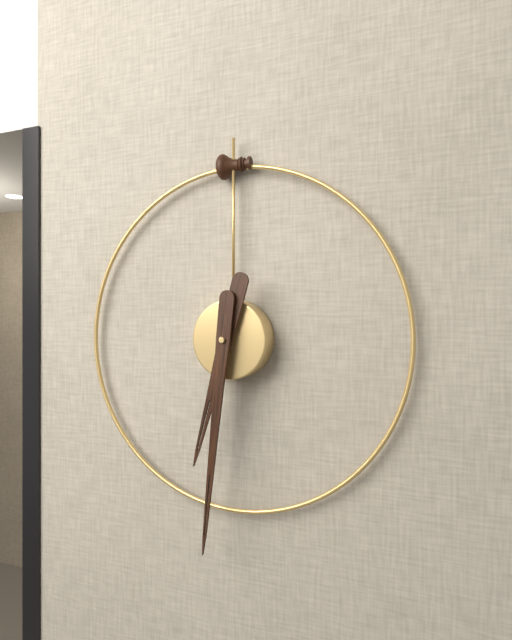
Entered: 6 h 31 min
